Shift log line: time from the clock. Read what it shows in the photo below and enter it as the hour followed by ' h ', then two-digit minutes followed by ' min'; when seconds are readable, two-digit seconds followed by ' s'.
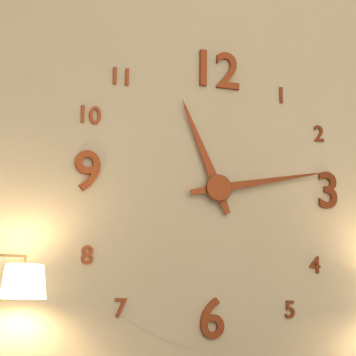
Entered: 11 h 13 min
